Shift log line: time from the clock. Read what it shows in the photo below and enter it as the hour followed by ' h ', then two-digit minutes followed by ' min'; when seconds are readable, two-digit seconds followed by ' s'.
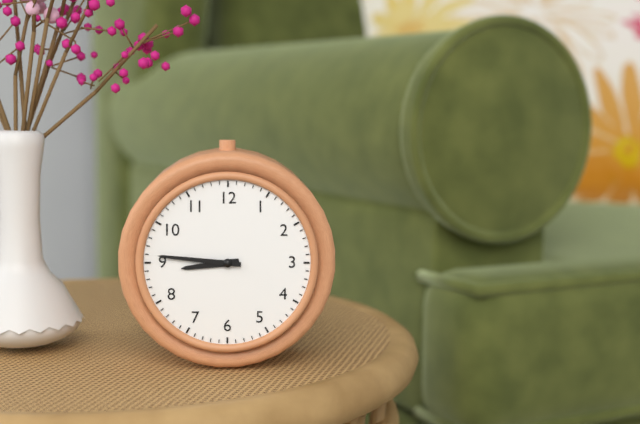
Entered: 8 h 46 min
